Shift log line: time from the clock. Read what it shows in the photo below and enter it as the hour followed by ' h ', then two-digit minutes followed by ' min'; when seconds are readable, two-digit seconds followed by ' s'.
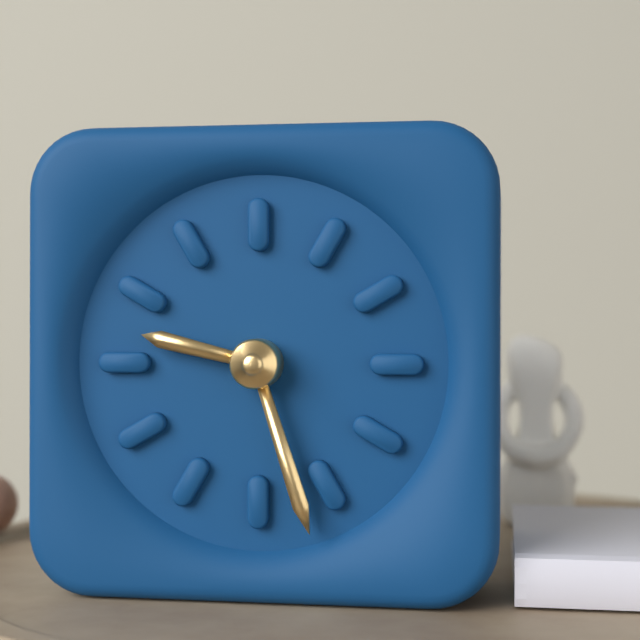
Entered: 9 h 27 min
